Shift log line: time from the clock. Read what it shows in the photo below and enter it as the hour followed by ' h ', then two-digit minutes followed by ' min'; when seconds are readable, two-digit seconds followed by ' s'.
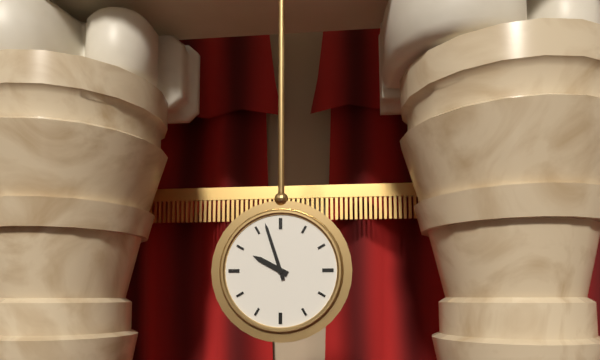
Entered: 9 h 57 min
